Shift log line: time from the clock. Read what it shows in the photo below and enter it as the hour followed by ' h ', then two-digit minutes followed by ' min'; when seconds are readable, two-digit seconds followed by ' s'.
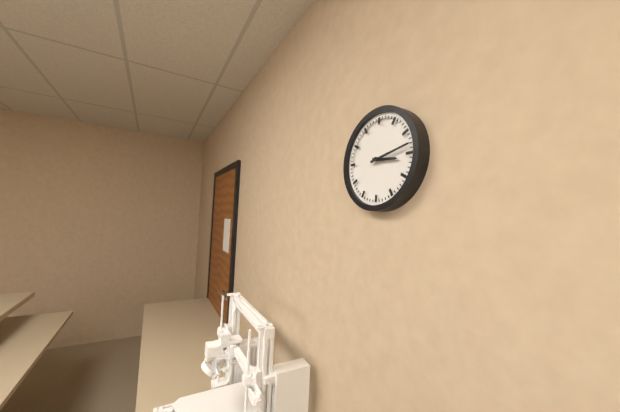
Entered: 3 h 13 min
